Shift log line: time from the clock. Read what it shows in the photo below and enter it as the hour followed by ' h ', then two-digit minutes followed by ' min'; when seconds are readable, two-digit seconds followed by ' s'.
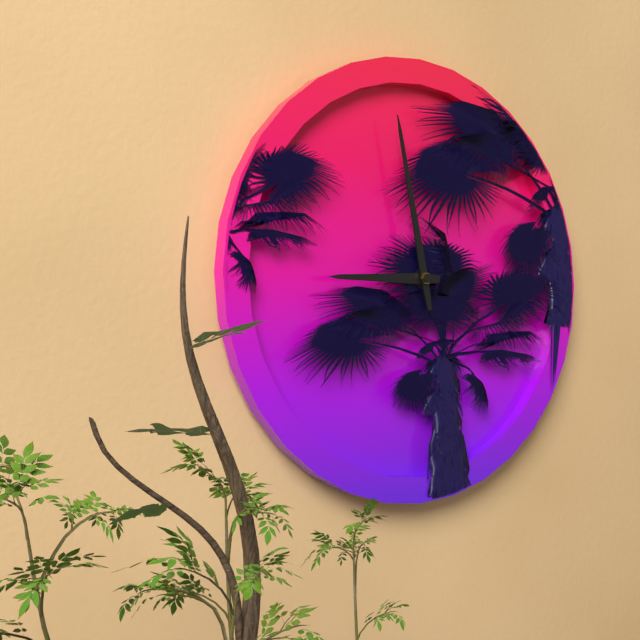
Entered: 8 h 58 min
